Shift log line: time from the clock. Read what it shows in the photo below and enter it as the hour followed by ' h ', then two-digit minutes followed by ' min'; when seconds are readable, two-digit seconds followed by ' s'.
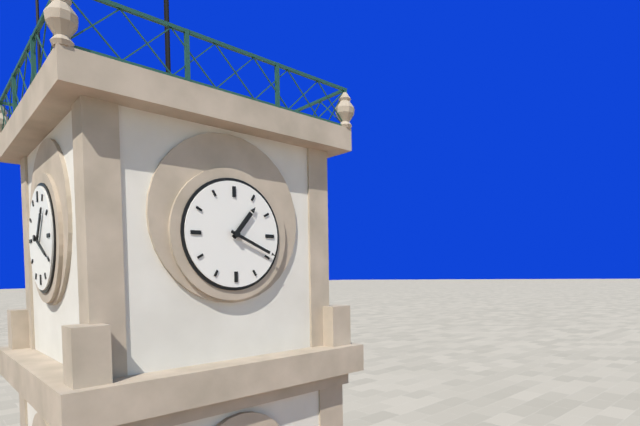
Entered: 1 h 19 min
